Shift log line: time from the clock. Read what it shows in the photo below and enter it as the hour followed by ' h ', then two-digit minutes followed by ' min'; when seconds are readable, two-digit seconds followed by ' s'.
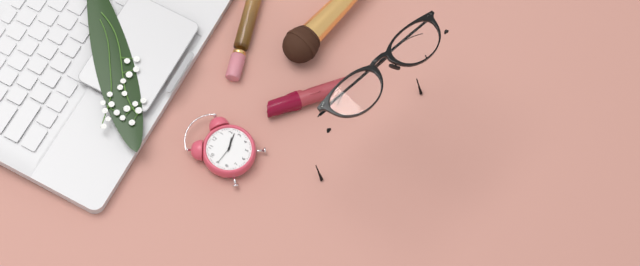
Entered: 2 h 12 min
